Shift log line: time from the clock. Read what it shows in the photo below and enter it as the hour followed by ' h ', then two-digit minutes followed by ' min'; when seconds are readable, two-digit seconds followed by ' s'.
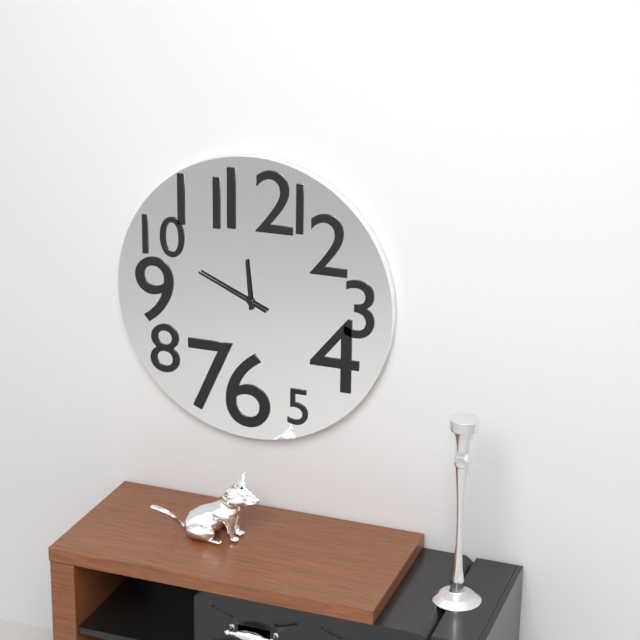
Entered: 11 h 49 min
